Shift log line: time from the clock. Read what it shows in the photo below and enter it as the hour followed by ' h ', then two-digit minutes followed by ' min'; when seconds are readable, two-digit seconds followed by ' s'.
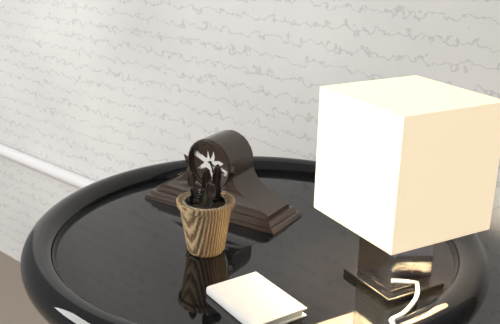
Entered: 5 h 19 min
